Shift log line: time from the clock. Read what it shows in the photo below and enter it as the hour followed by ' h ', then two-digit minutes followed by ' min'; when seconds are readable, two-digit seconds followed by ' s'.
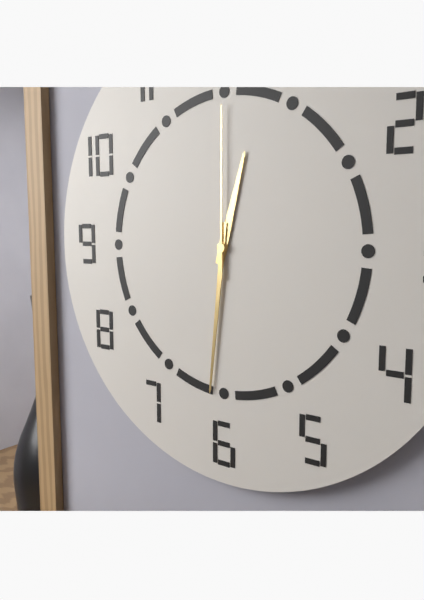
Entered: 12 h 31 min 00 s
